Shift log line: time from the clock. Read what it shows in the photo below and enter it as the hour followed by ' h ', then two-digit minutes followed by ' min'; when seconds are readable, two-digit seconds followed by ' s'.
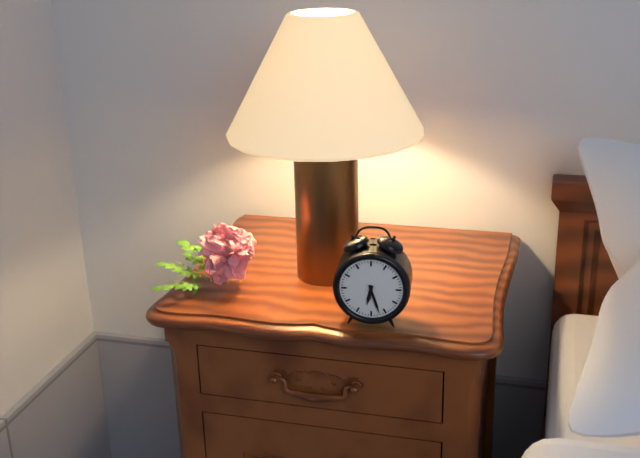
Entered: 6 h 27 min
